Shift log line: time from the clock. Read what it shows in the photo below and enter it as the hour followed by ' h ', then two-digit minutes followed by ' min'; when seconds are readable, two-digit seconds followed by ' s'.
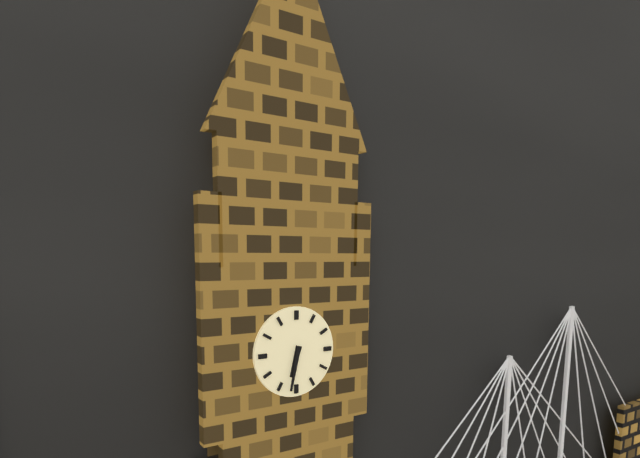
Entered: 6 h 32 min
